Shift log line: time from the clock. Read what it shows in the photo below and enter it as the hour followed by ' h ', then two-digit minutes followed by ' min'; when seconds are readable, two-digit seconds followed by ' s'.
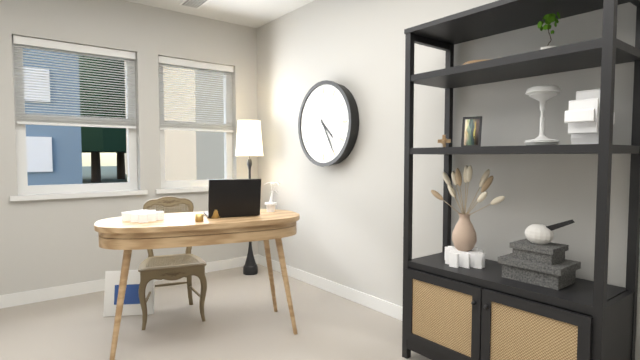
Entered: 4 h 25 min
